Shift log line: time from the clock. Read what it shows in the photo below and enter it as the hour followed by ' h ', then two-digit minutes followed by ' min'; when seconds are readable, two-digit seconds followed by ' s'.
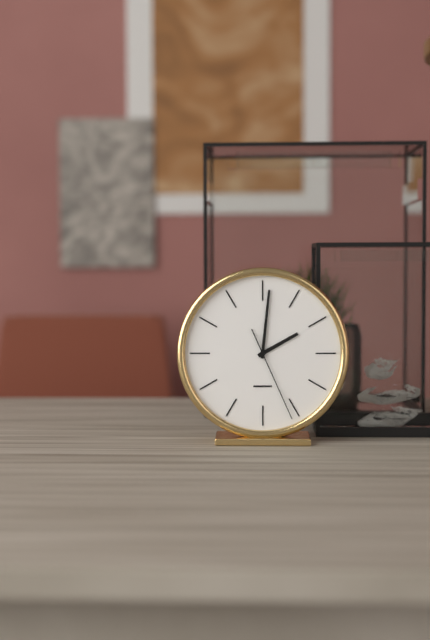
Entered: 2 h 01 min 26 s
